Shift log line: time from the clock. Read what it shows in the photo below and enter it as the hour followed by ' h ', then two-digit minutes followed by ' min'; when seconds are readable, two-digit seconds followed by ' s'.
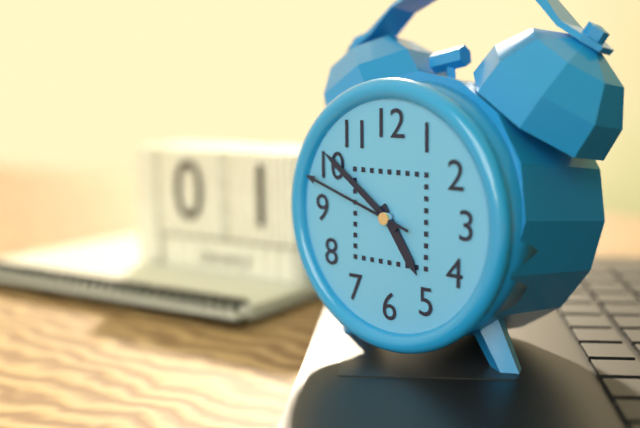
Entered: 4 h 51 min 48 s
